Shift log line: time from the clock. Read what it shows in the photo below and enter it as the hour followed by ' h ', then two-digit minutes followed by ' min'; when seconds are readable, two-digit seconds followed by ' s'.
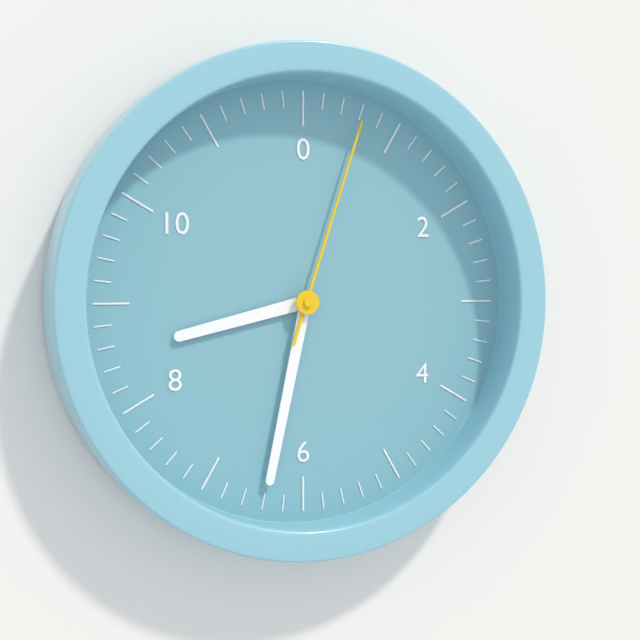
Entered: 8 h 32 min 03 s
